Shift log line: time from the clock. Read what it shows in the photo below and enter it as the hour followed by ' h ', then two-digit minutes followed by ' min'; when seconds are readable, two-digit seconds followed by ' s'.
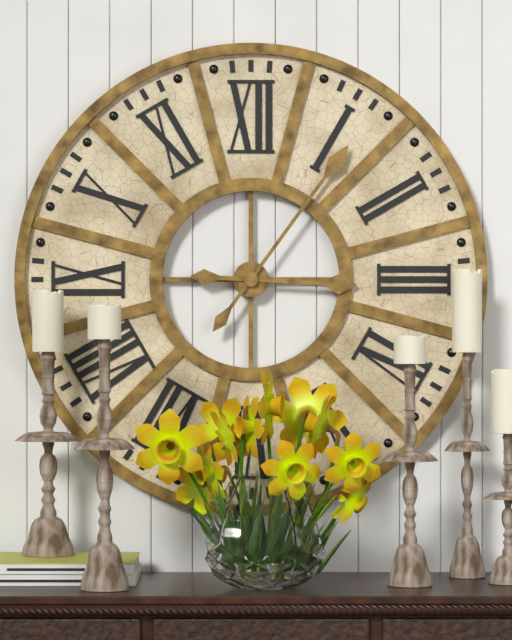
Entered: 3 h 06 min
